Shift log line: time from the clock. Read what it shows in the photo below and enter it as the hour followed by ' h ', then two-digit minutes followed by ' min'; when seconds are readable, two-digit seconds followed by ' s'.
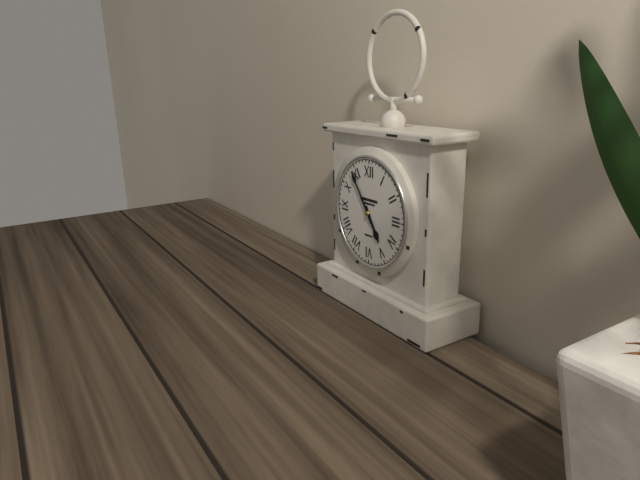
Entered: 4 h 54 min
